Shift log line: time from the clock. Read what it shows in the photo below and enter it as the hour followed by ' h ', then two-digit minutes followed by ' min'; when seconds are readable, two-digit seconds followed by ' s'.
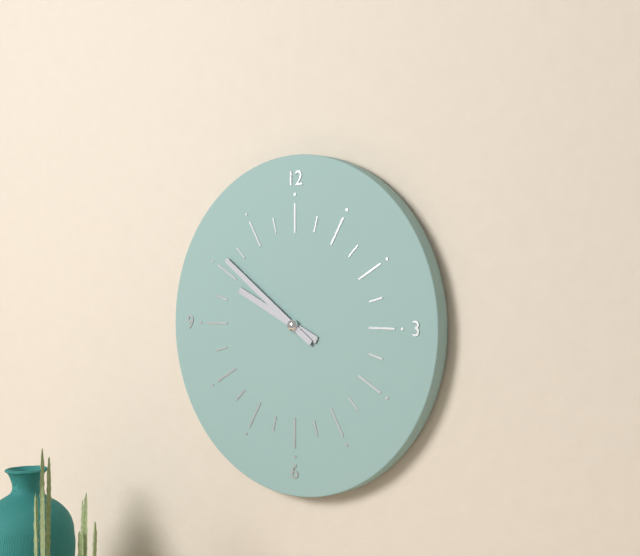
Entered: 9 h 51 min
